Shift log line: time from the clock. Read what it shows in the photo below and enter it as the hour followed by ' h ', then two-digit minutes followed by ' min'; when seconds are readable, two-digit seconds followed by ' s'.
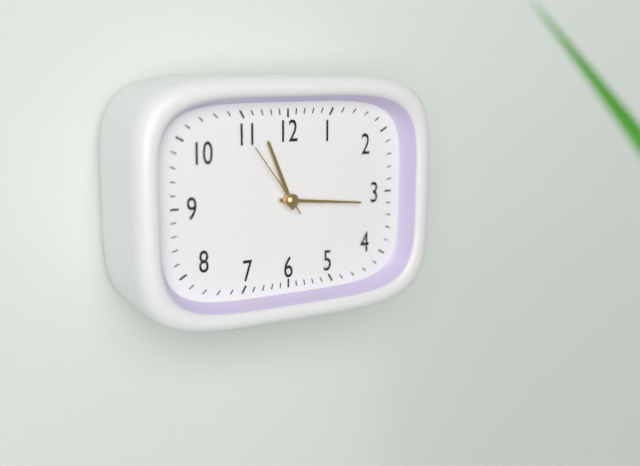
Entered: 11 h 16 min 54 s
